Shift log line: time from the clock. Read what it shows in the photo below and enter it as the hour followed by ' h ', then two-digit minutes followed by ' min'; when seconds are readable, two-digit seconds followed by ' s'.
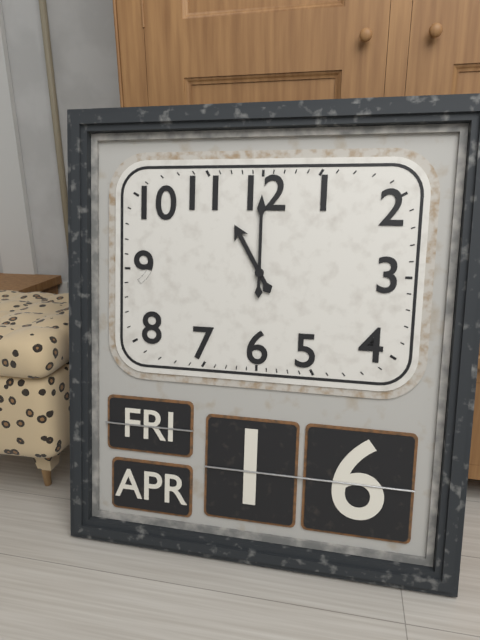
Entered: 11 h 00 min
